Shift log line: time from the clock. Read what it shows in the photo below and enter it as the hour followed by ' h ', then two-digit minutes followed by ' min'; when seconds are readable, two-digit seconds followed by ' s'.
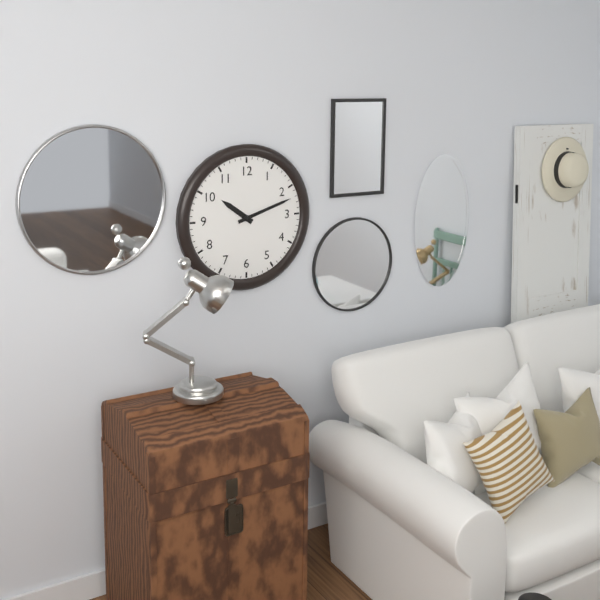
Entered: 10 h 12 min
